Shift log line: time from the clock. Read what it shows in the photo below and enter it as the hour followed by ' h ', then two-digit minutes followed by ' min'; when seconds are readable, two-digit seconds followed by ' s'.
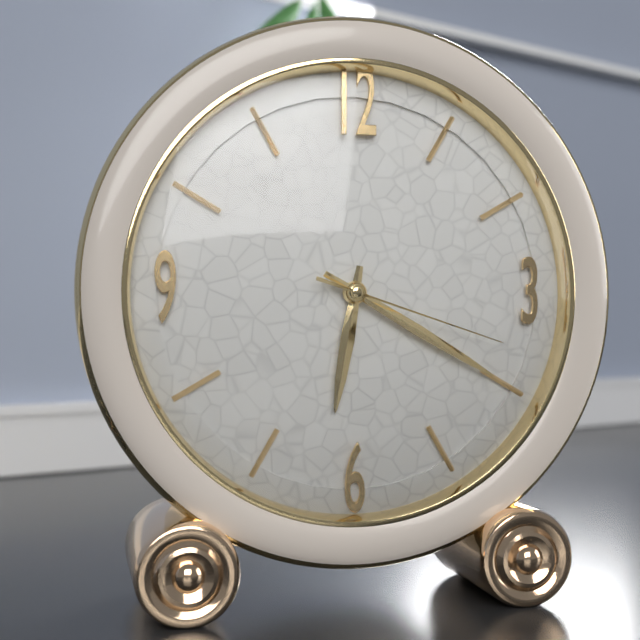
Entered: 6 h 20 min 18 s
